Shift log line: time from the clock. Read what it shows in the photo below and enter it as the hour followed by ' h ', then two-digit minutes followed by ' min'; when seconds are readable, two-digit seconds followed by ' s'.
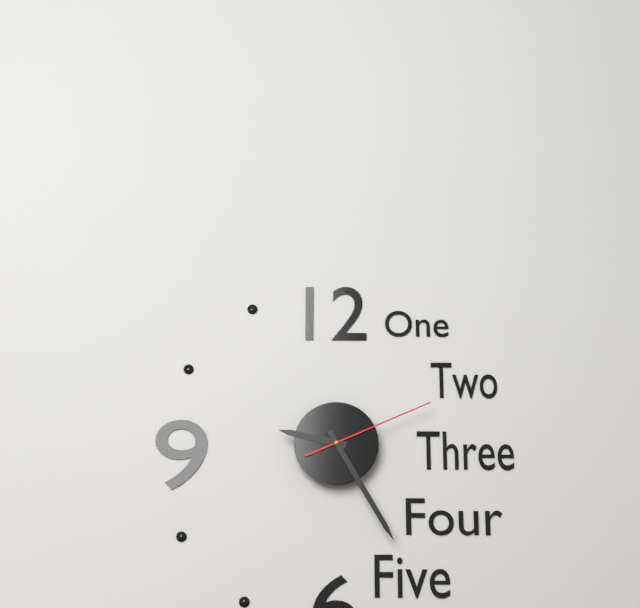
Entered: 9 h 25 min 11 s
